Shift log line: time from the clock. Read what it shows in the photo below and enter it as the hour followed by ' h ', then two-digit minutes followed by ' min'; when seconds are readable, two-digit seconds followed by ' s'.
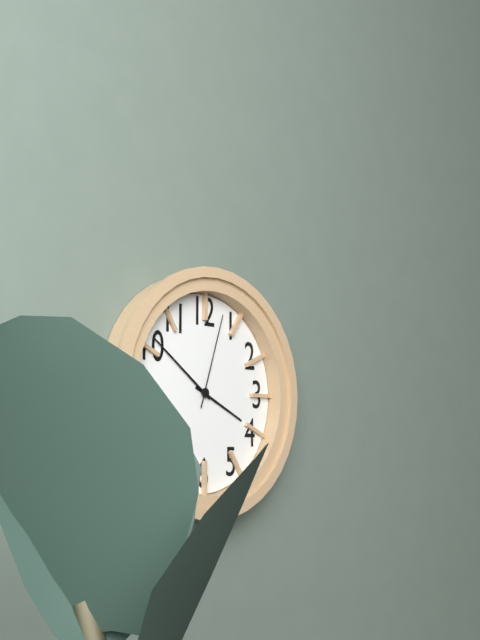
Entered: 3 h 51 min 03 s
